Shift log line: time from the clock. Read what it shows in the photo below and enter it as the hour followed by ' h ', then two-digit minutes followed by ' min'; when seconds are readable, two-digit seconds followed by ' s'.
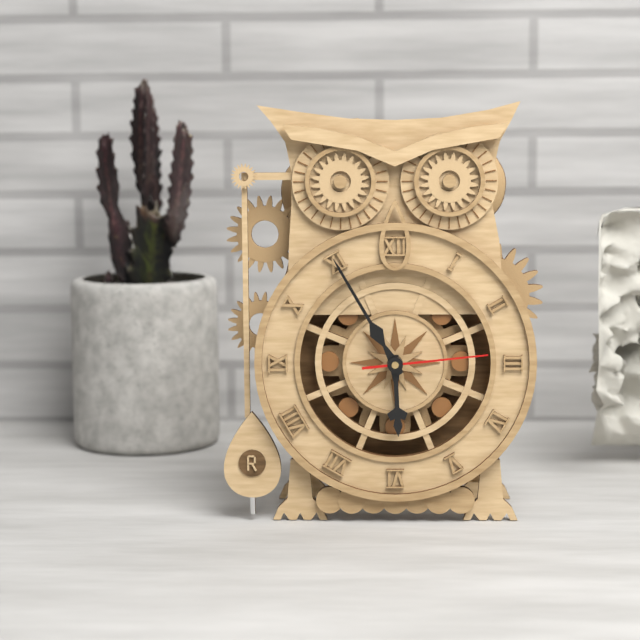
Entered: 5 h 55 min 14 s
